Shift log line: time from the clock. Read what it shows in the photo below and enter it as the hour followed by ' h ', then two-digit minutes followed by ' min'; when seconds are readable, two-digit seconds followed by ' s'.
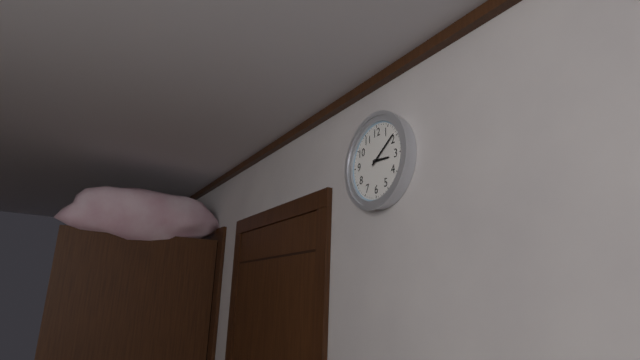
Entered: 3 h 09 min
